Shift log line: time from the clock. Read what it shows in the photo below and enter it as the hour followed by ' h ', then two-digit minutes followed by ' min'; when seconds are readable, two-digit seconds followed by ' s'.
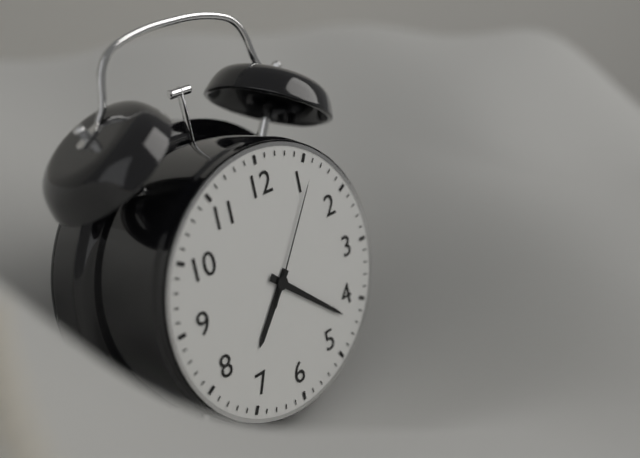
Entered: 7 h 22 min 06 s
